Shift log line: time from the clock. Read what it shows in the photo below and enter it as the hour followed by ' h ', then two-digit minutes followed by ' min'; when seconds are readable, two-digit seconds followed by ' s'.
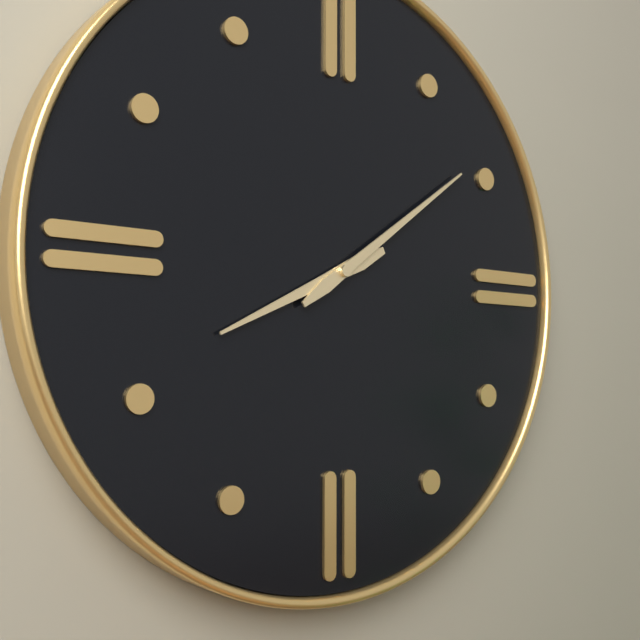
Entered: 8 h 09 min
